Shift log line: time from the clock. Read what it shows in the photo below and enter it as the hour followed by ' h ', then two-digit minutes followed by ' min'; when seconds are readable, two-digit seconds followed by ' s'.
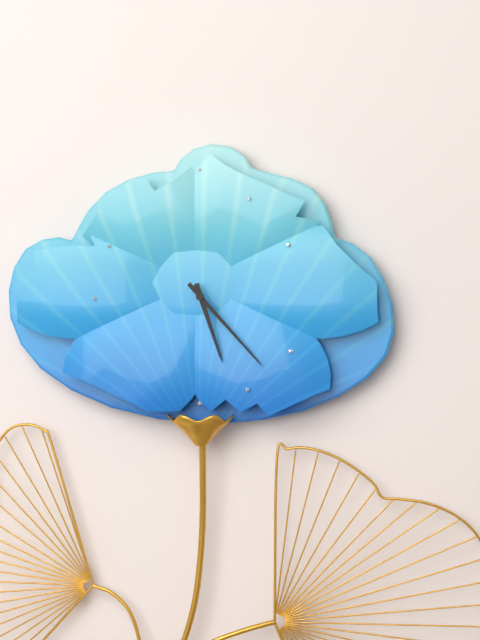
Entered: 5 h 23 min
